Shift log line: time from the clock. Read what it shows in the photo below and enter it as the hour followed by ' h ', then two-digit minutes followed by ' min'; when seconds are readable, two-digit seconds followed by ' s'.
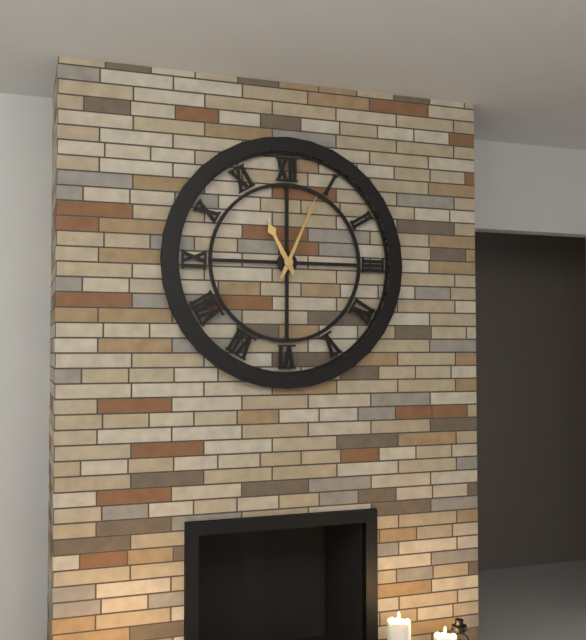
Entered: 11 h 04 min
